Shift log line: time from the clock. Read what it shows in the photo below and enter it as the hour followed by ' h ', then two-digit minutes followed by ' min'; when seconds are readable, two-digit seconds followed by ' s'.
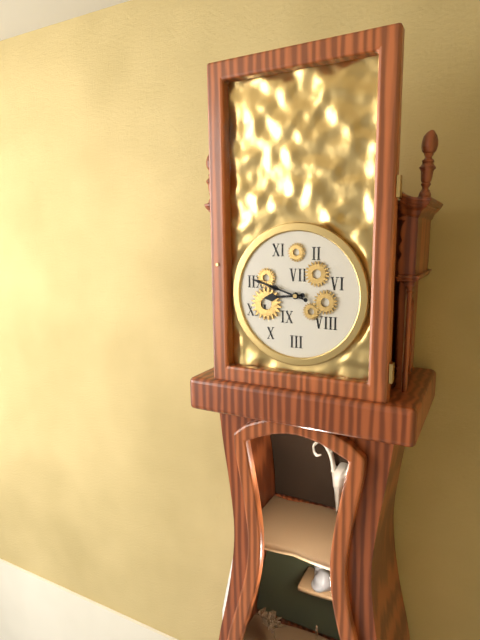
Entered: 8 h 48 min
